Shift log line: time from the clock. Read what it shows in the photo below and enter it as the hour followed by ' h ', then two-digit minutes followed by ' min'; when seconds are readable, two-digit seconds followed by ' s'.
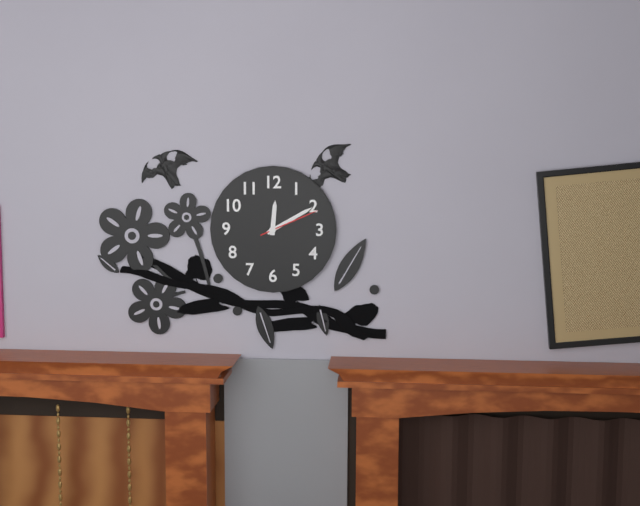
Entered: 12 h 10 min 11 s
